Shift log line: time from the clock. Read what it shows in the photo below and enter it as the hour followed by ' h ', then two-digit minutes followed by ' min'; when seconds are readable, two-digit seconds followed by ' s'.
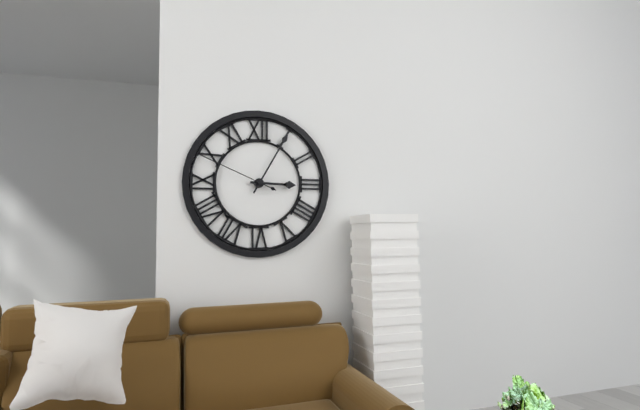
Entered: 3 h 05 min 49 s
